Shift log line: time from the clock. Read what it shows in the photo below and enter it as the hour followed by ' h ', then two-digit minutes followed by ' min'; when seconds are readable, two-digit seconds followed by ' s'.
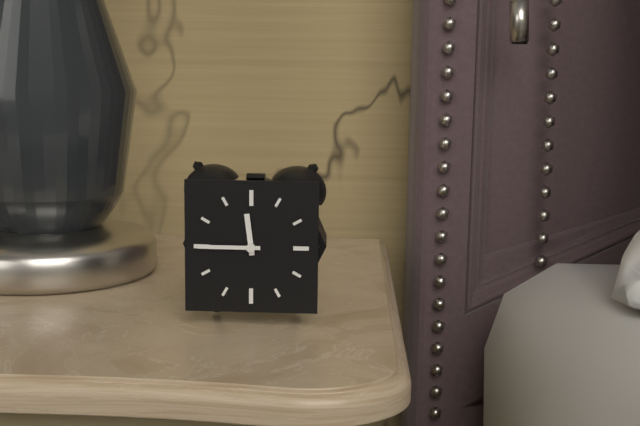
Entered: 11 h 45 min
